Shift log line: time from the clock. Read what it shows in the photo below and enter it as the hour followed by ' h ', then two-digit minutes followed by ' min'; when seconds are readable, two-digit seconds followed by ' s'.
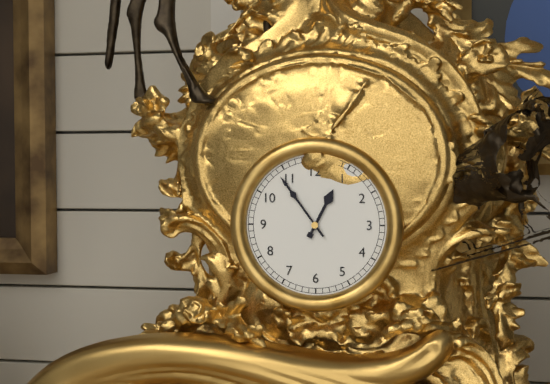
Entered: 12 h 54 min
